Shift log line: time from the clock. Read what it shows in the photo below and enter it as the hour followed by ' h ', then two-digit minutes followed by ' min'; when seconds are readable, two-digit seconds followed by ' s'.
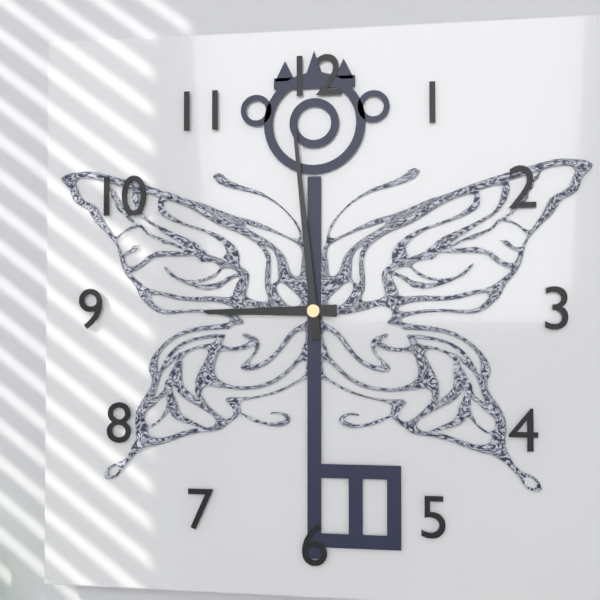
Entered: 8 h 59 min
